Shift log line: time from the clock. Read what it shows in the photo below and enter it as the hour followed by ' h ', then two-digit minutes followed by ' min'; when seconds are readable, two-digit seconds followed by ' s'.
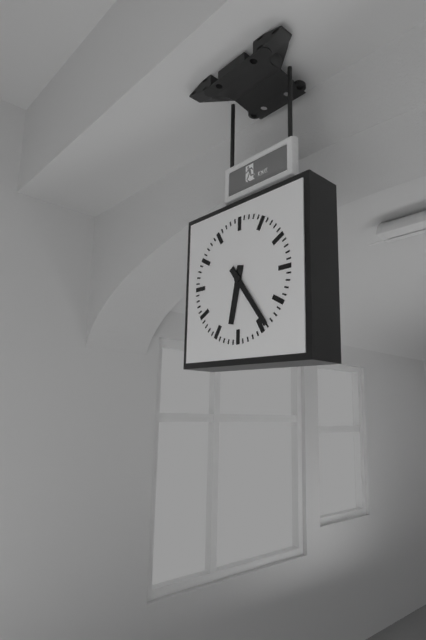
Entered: 6 h 24 min
